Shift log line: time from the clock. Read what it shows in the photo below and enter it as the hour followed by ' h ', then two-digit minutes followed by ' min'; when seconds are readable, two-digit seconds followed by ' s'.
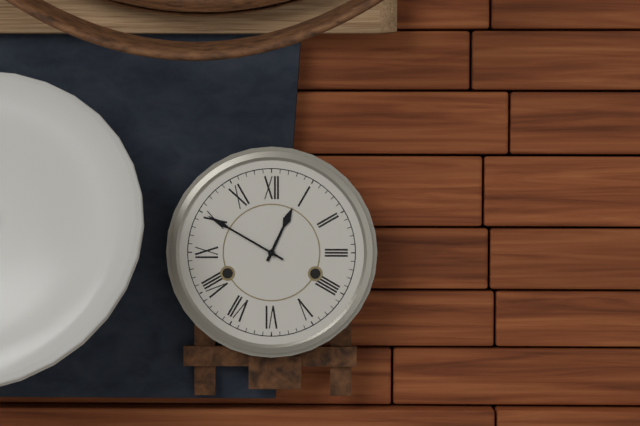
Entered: 12 h 50 min
